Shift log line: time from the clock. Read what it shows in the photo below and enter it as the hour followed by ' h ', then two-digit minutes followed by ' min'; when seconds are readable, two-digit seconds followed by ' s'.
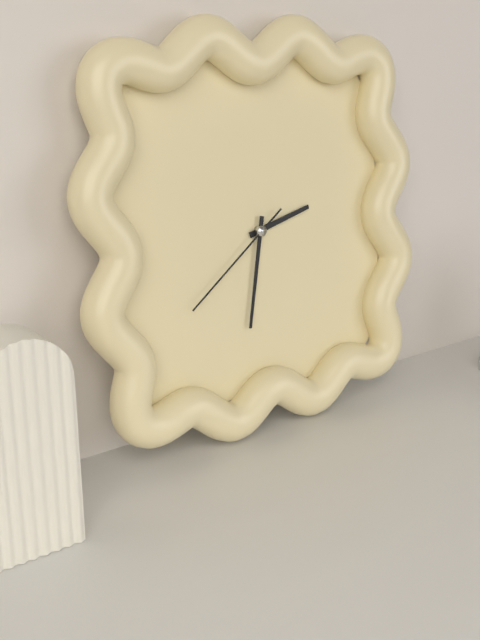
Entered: 2 h 32 min 39 s
